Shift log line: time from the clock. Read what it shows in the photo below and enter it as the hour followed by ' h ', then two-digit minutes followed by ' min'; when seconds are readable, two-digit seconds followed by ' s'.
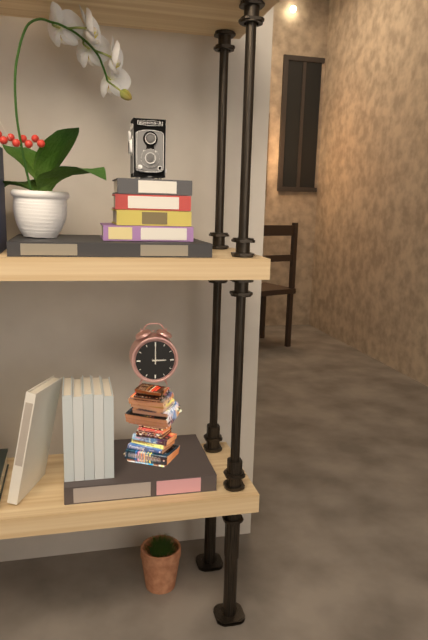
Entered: 3 h 00 min
